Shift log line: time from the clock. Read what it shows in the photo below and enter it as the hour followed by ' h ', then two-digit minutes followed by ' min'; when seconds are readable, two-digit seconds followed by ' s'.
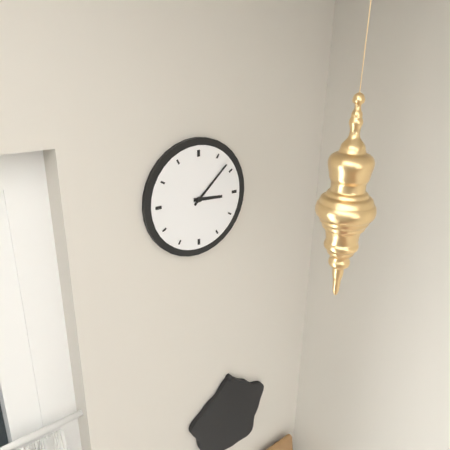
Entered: 3 h 08 min
